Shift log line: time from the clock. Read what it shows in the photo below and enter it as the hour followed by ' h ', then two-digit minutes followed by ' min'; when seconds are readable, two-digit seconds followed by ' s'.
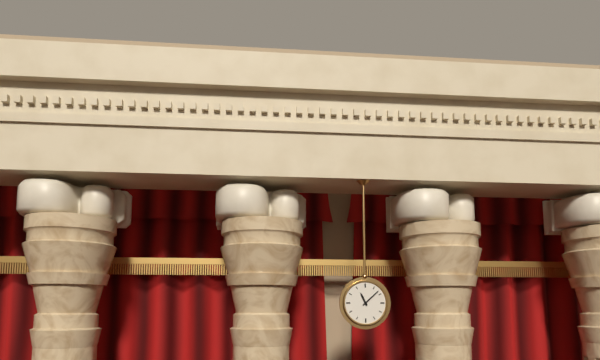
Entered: 11 h 08 min
